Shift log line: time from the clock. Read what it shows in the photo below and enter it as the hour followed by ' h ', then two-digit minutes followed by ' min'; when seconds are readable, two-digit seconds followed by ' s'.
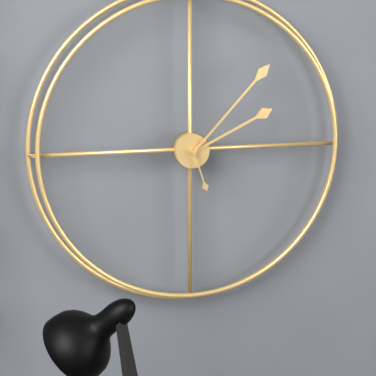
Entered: 2 h 07 min 27 s
